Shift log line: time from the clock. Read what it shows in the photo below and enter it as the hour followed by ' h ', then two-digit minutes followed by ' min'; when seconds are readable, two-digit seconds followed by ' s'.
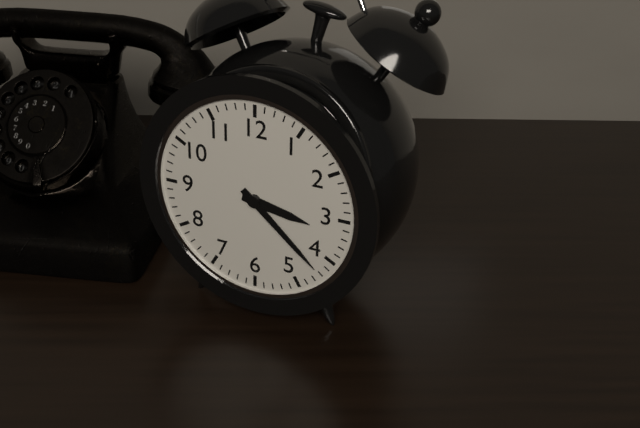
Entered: 3 h 22 min
